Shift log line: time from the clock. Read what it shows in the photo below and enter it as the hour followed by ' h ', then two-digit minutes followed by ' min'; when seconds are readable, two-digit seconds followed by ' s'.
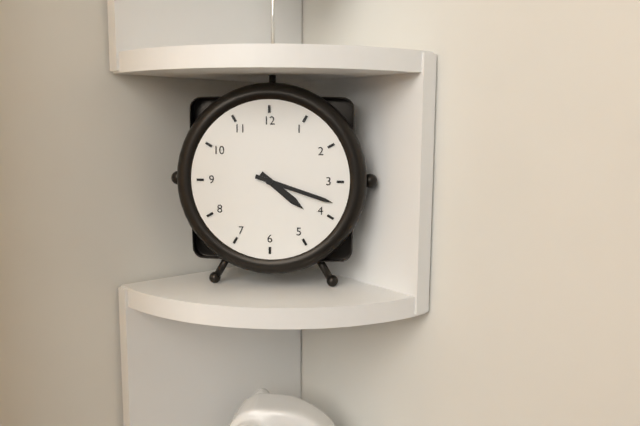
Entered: 4 h 18 min
